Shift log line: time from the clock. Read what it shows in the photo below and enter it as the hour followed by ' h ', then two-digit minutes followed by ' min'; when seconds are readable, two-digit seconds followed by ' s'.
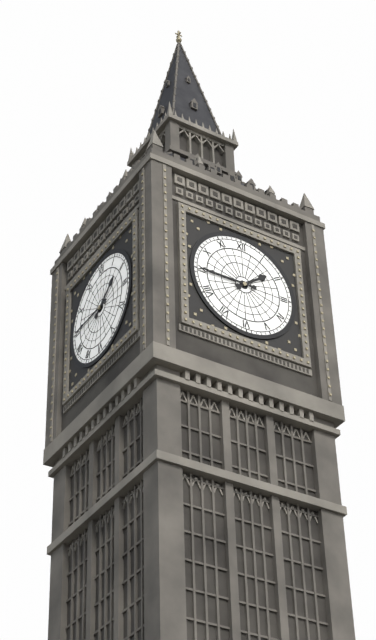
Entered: 1 h 45 min
